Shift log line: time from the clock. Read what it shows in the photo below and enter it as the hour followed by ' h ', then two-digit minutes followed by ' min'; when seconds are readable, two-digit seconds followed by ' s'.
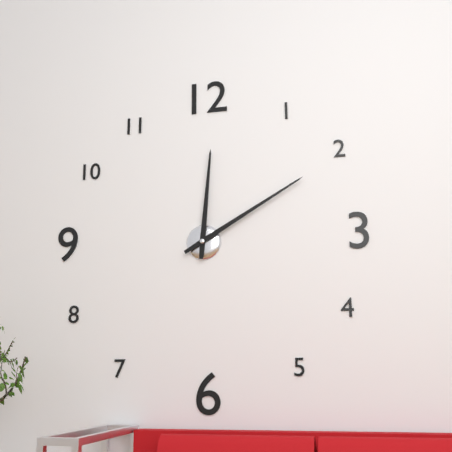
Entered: 12 h 10 min
